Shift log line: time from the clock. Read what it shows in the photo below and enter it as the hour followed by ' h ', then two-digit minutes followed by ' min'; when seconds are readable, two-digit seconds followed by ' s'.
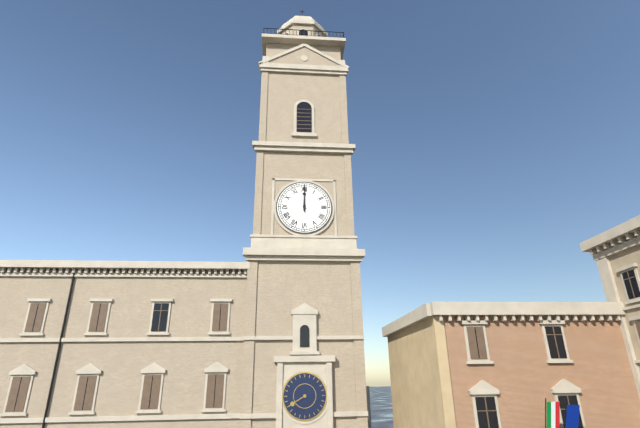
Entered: 12 h 00 min
